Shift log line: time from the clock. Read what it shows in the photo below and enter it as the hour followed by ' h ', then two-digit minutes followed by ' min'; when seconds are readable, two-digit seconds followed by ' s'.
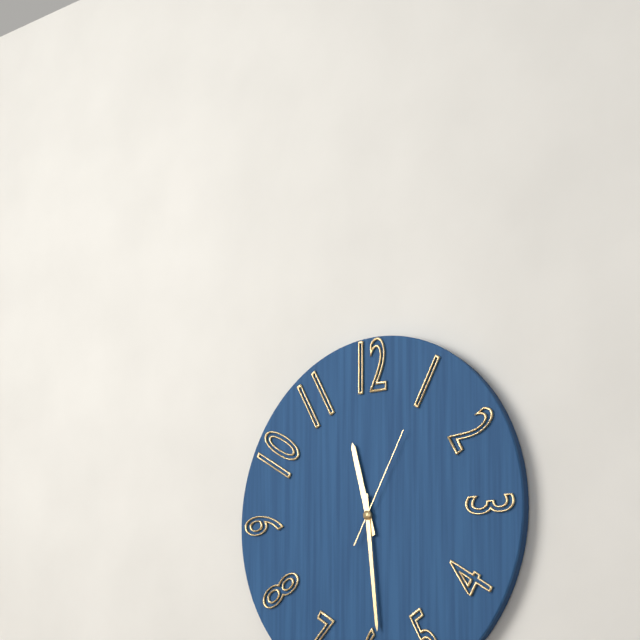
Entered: 11 h 29 min 05 s
